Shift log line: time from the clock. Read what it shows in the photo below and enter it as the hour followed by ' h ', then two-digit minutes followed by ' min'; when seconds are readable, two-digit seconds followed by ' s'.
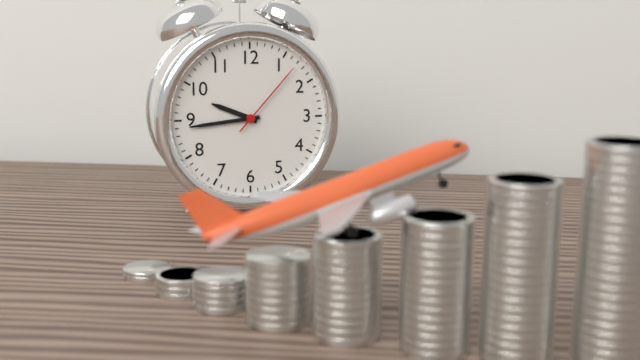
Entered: 9 h 44 min 07 s
